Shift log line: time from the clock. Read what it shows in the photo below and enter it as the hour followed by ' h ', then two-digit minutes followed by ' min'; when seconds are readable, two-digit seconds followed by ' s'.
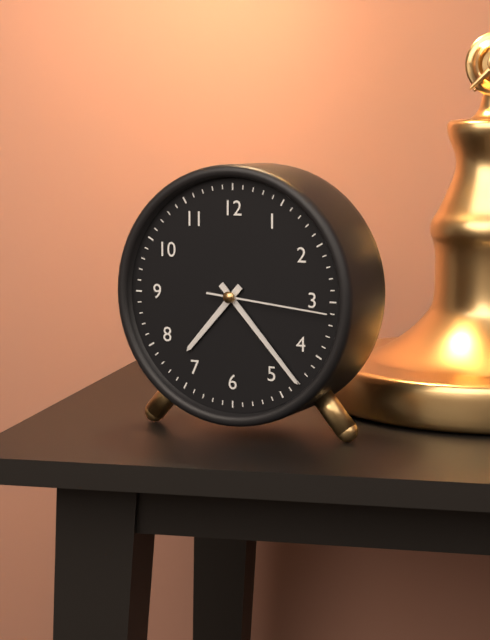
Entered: 7 h 23 min 16 s
